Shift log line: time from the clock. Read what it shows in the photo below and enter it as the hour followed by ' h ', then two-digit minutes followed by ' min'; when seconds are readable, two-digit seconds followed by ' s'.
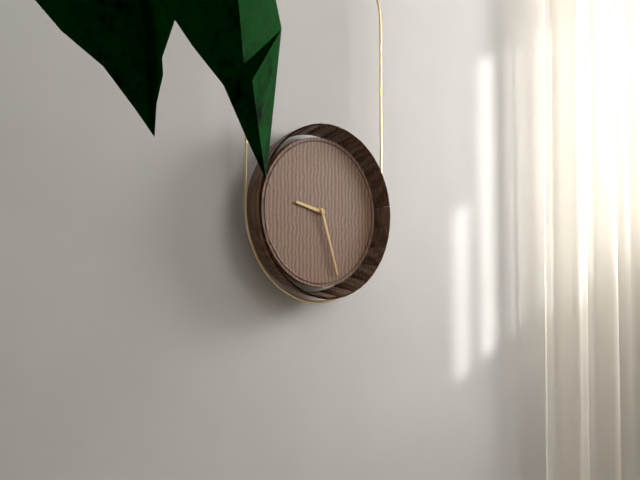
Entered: 9 h 27 min
